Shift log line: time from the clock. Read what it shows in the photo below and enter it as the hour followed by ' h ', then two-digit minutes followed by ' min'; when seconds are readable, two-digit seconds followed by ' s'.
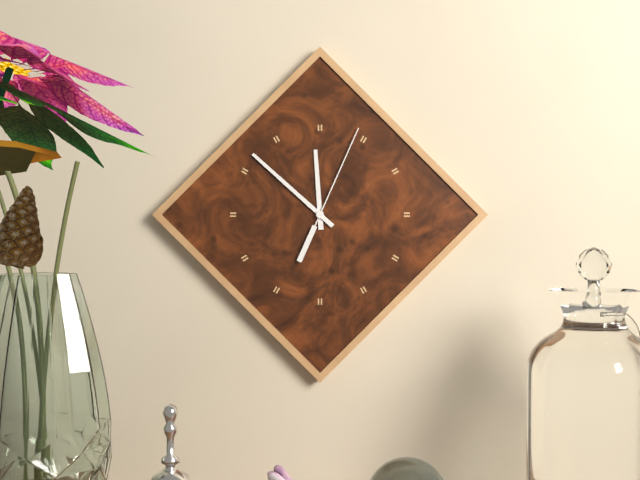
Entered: 11 h 52 min 04 s
